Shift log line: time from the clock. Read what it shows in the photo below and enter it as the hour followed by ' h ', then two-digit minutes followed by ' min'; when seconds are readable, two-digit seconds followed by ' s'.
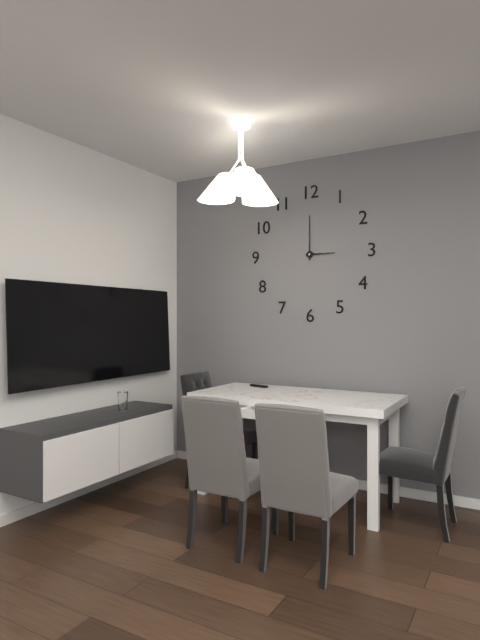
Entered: 3 h 00 min
